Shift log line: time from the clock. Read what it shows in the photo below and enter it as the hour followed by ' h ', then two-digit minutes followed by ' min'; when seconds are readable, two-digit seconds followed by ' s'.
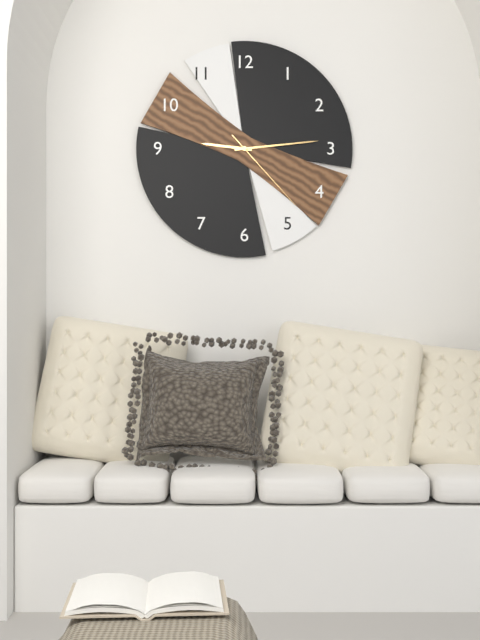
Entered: 9 h 14 min 23 s
